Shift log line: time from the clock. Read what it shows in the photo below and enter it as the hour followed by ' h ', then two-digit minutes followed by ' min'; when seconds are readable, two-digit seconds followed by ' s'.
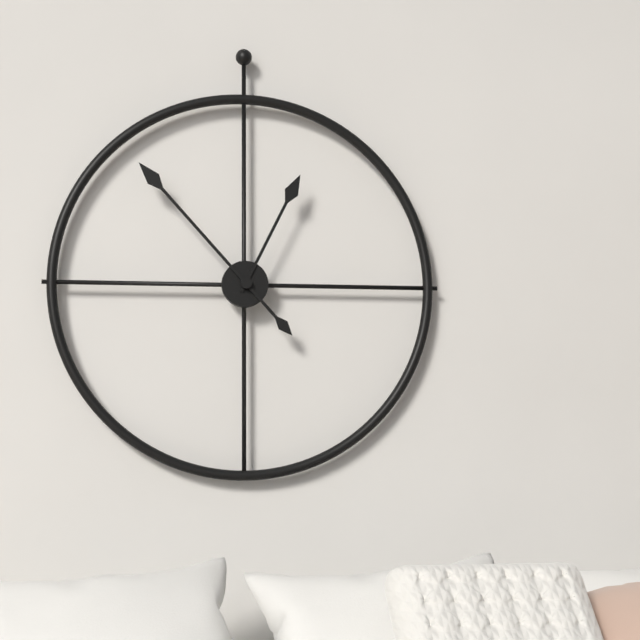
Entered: 12 h 53 min
